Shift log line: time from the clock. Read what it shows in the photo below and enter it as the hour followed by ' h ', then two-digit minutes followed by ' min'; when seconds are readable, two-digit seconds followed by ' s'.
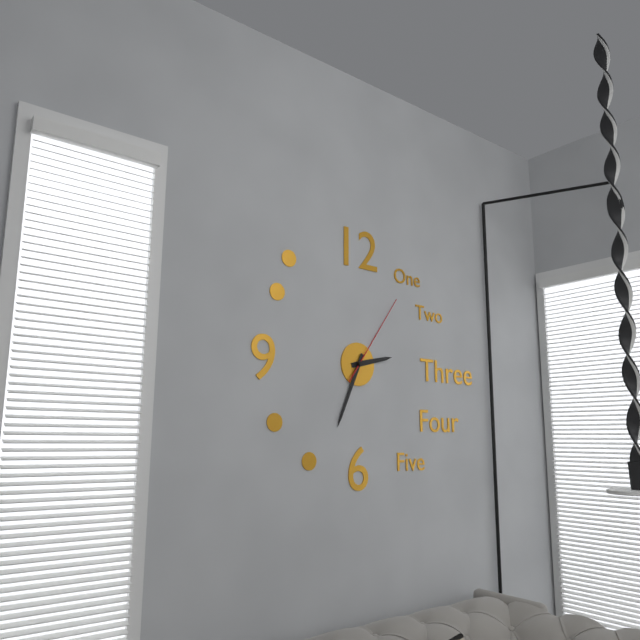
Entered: 2 h 34 min 06 s
